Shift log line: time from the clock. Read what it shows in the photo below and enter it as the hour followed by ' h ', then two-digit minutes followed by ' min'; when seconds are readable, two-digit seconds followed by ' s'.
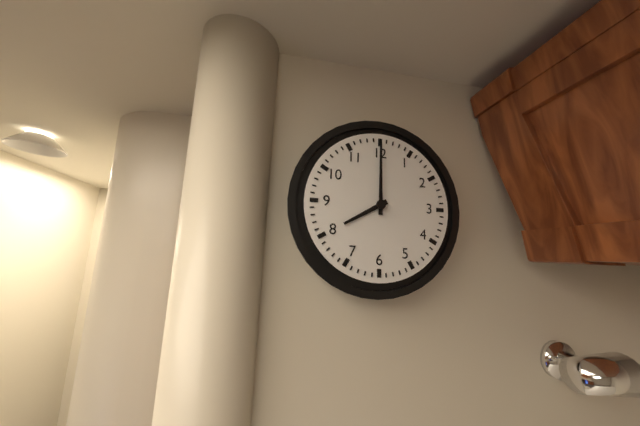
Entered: 8 h 00 min
